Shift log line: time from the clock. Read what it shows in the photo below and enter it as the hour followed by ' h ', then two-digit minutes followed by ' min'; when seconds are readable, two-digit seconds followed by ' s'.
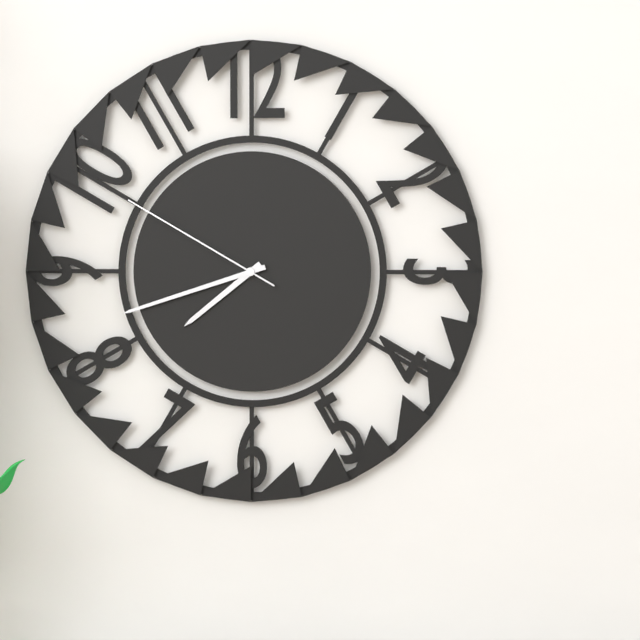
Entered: 7 h 42 min 50 s
